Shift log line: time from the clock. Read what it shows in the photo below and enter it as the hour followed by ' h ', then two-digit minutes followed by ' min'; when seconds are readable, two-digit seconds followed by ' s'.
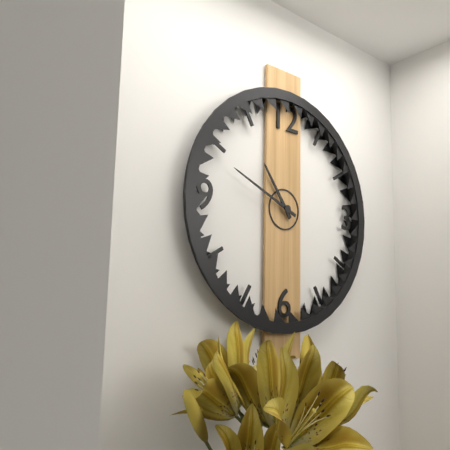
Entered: 10 h 49 min
